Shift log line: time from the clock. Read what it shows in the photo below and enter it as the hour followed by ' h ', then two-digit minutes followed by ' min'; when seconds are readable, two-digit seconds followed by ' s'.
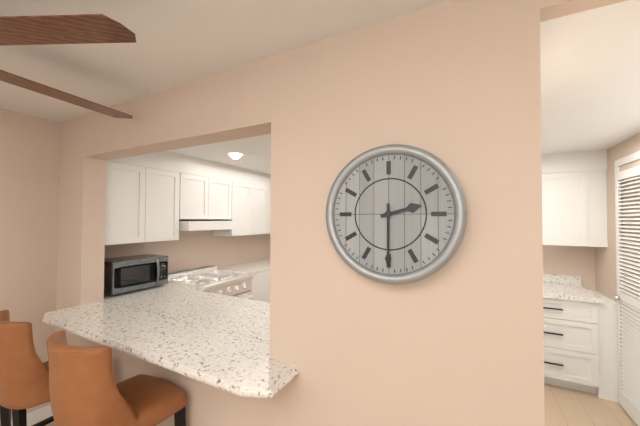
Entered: 2 h 30 min
